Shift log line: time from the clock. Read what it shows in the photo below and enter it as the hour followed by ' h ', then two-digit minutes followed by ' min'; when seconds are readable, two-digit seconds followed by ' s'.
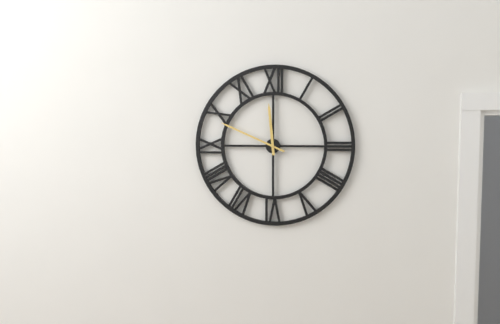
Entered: 11 h 49 min
